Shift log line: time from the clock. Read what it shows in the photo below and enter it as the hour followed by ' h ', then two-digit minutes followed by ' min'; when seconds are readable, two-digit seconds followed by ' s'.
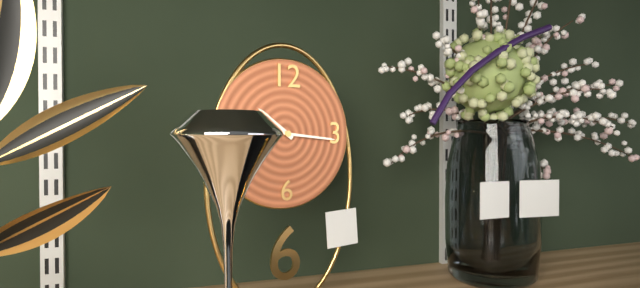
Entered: 10 h 16 min
